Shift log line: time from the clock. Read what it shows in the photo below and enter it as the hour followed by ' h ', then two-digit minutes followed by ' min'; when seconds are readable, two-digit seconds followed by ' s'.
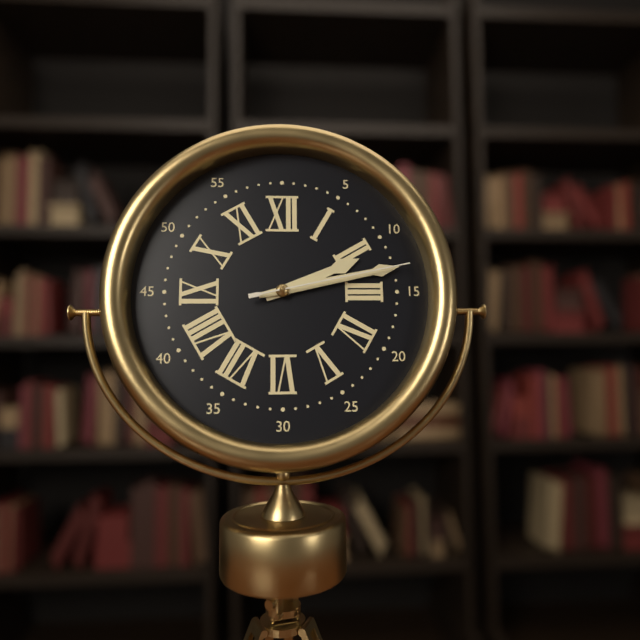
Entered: 2 h 13 min 13 s
